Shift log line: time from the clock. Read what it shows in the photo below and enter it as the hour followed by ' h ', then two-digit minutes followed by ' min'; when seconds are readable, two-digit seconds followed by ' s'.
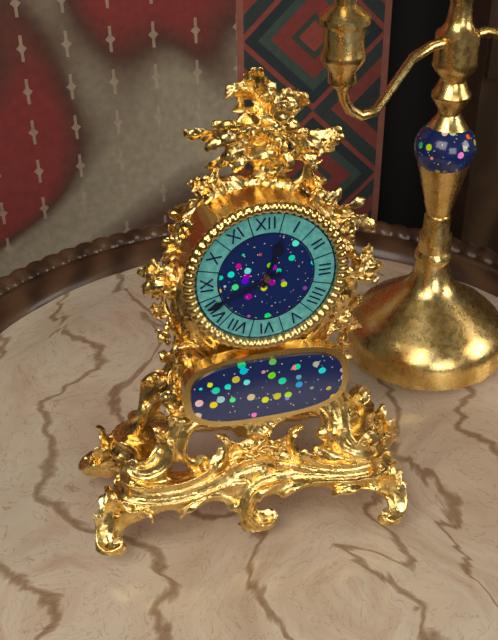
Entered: 12 h 41 min
